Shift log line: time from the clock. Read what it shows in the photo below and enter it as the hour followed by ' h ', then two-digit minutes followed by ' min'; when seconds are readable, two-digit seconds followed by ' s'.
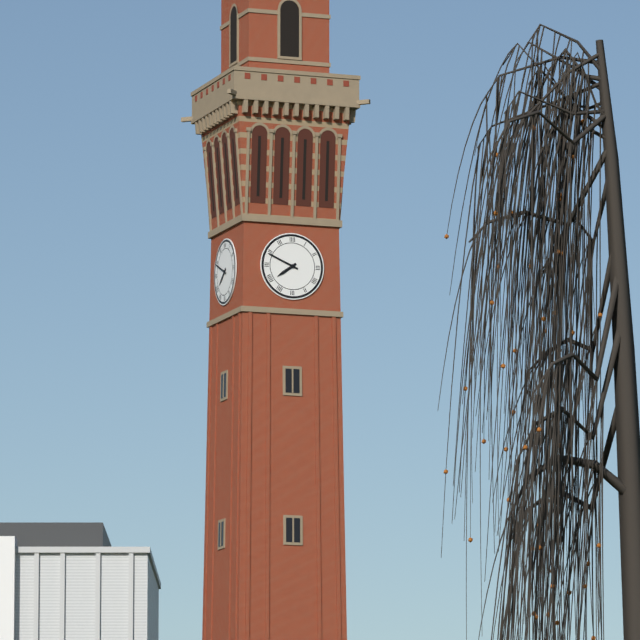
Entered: 7 h 49 min
